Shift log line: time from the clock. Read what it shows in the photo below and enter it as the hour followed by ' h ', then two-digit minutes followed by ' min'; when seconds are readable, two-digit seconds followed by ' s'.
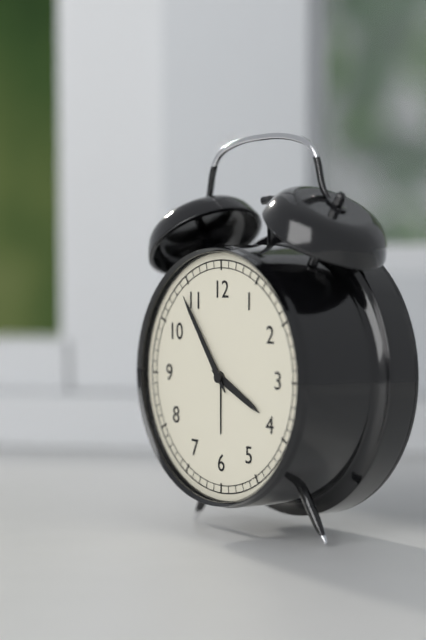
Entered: 3 h 54 min
